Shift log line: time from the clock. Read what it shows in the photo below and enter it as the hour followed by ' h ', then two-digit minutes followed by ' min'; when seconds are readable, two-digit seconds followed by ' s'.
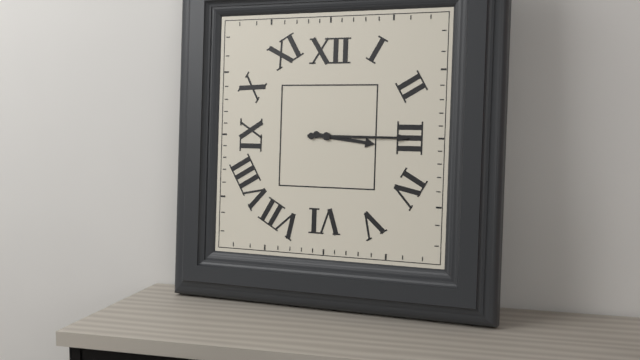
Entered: 3 h 15 min
